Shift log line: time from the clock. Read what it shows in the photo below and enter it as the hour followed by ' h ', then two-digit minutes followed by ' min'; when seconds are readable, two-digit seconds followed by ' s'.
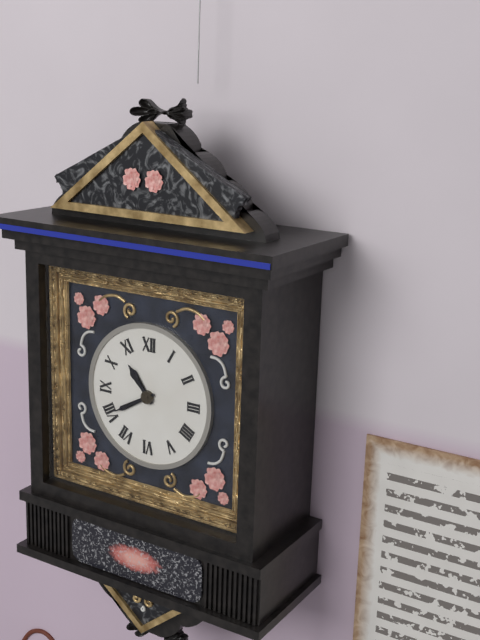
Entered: 10 h 40 min
